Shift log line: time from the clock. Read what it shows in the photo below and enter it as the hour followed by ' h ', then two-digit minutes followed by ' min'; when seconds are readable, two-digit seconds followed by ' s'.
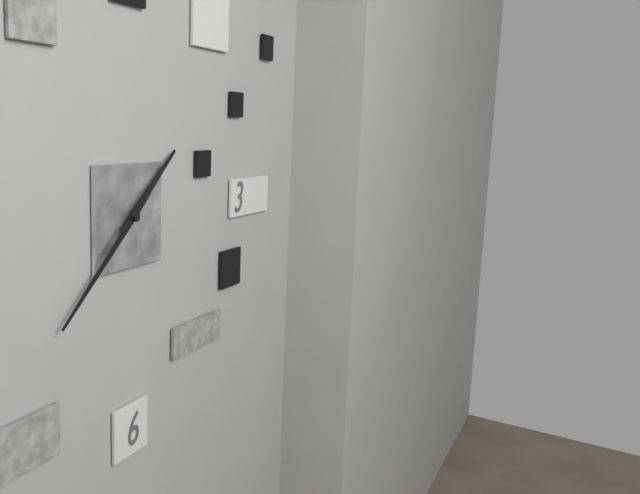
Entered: 1 h 38 min
